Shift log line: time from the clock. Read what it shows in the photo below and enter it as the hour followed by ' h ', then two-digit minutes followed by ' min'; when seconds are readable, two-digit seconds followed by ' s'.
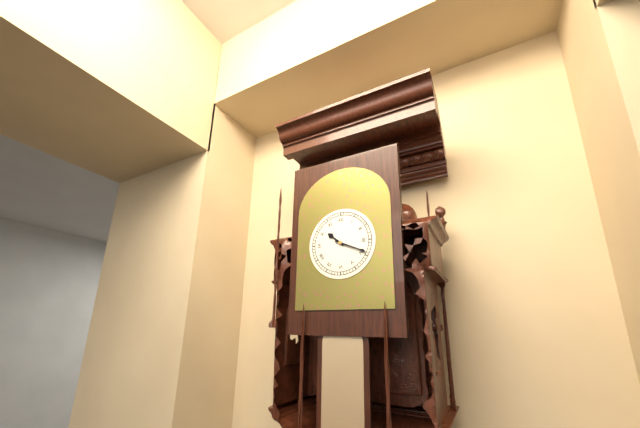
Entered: 10 h 19 min
